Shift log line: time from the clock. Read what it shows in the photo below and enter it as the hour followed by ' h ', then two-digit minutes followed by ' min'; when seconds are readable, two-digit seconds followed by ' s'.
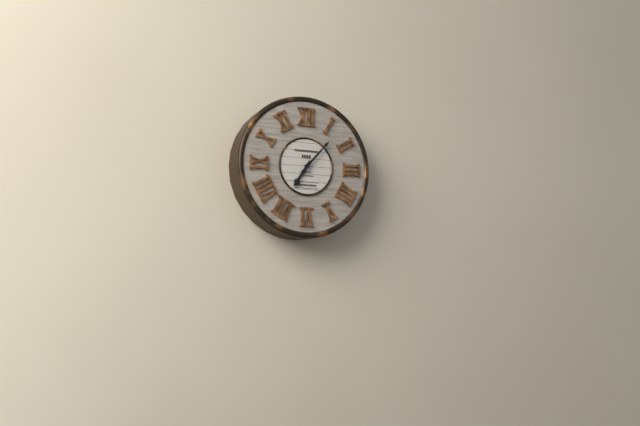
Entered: 7 h 07 min
